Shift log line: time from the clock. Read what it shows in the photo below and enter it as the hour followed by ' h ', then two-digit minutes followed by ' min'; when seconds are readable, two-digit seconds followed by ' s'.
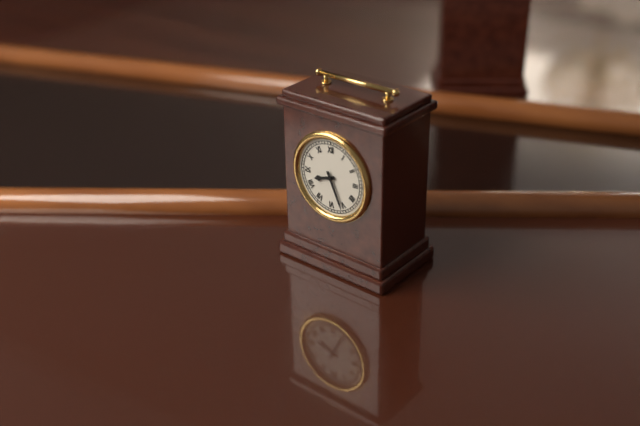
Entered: 8 h 26 min
